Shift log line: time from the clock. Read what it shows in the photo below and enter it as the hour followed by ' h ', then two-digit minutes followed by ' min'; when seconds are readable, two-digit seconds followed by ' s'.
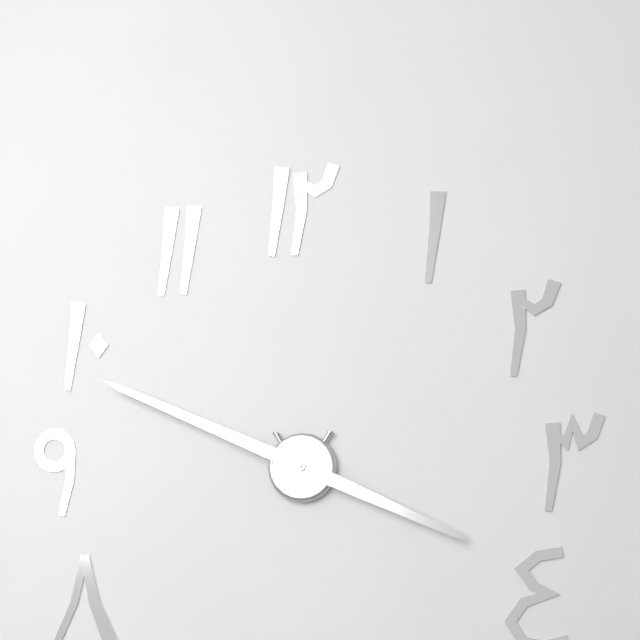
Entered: 3 h 49 min
